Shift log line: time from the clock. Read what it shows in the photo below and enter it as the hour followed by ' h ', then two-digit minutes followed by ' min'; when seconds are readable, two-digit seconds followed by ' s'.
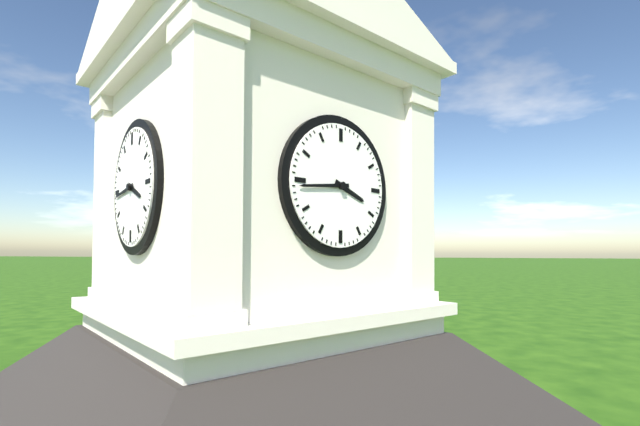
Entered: 3 h 44 min
